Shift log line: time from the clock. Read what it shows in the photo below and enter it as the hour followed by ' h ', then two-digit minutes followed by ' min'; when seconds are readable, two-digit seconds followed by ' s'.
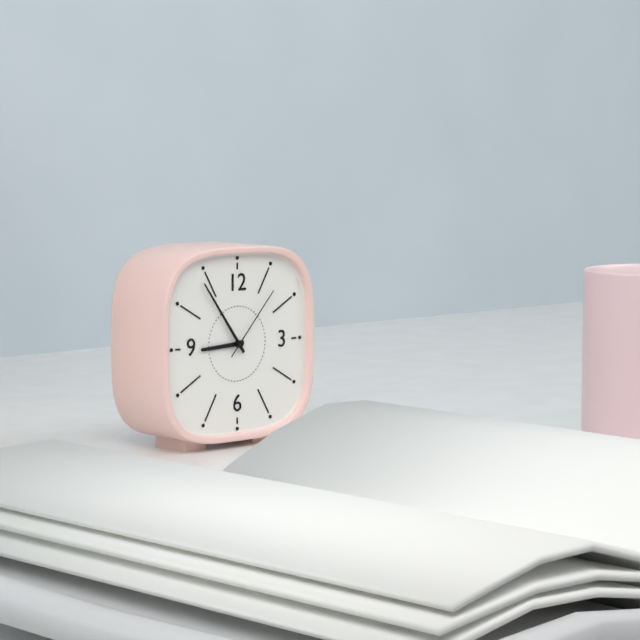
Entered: 8 h 54 min 07 s
